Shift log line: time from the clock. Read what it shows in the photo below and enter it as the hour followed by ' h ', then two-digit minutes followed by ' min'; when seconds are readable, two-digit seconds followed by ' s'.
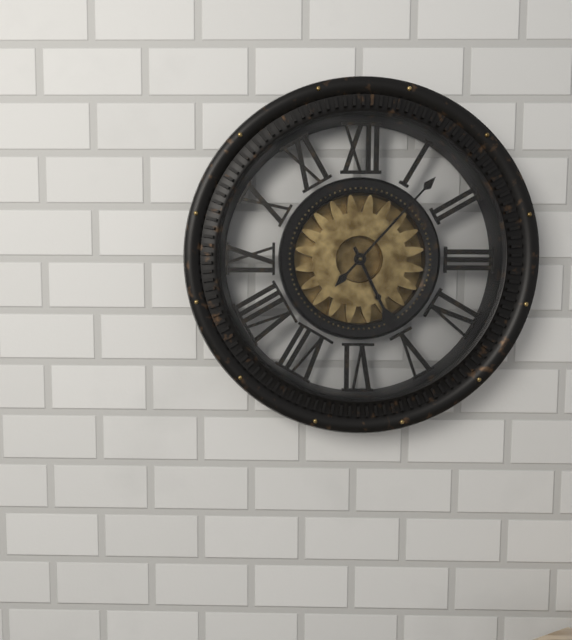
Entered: 5 h 07 min
